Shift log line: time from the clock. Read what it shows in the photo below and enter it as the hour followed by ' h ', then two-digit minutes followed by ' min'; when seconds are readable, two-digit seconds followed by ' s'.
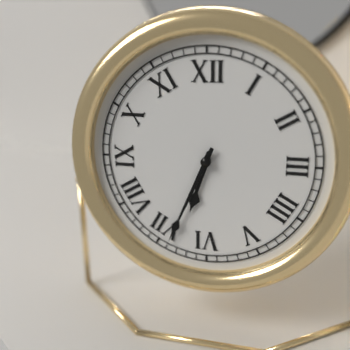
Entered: 6 h 34 min
